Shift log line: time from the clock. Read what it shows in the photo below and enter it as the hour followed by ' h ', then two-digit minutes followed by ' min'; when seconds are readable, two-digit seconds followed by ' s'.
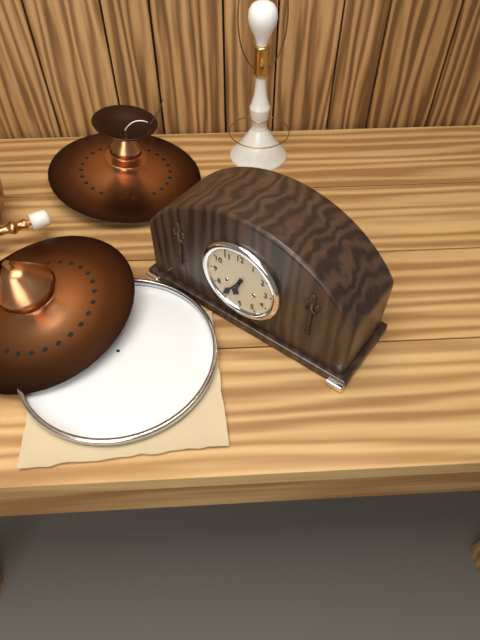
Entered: 6 h 36 min
